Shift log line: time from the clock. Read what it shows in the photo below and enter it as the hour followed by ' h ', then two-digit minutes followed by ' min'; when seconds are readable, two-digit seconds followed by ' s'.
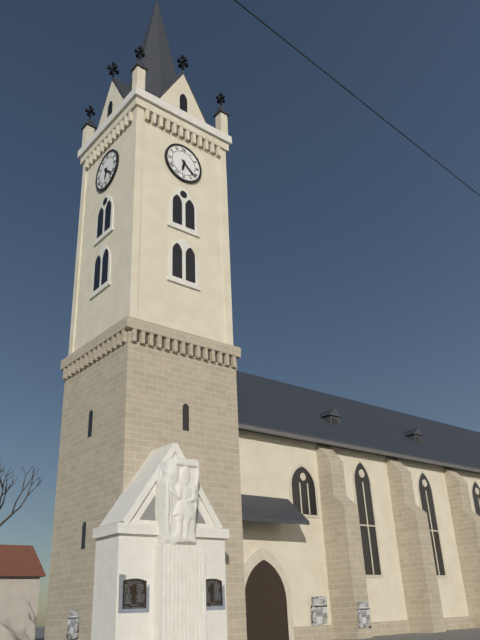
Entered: 6 h 22 min
